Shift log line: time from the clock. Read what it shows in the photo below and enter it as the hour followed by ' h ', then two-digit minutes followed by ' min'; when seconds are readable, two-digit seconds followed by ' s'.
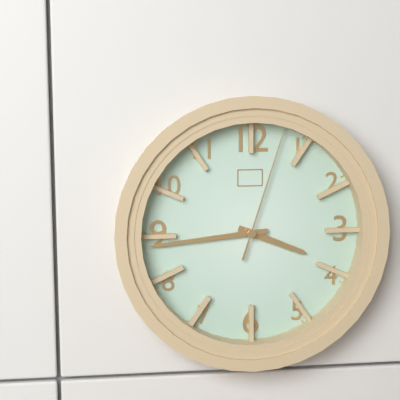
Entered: 3 h 44 min 03 s
